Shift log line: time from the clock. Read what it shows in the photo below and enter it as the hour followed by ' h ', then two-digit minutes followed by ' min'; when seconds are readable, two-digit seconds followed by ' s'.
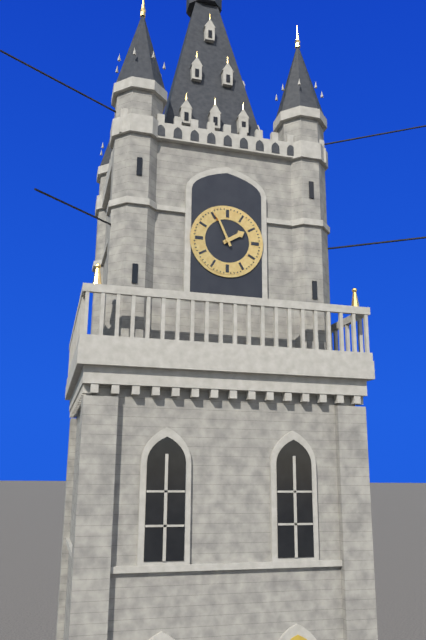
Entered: 1 h 56 min
